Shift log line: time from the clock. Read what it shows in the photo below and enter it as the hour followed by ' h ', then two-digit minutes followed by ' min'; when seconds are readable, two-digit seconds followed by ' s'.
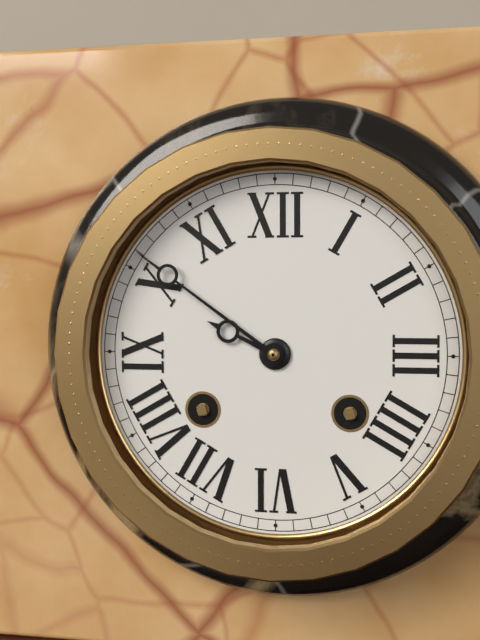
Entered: 9 h 51 min
